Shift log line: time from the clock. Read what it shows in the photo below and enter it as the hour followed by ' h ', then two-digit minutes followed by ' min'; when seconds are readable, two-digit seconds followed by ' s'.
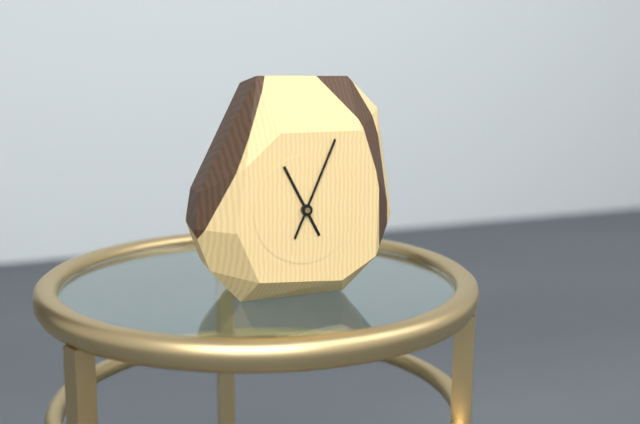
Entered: 11 h 04 min
